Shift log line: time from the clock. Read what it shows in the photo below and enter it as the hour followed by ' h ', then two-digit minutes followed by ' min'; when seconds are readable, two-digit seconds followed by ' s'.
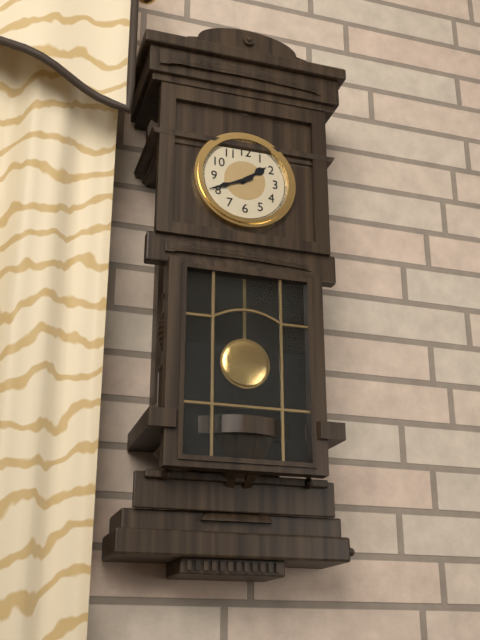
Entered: 1 h 41 min
